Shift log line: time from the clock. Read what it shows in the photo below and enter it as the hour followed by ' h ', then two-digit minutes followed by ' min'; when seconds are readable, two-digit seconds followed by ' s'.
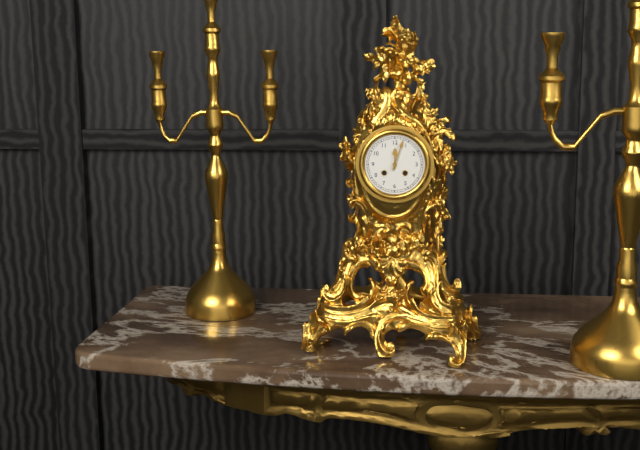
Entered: 12 h 03 min
